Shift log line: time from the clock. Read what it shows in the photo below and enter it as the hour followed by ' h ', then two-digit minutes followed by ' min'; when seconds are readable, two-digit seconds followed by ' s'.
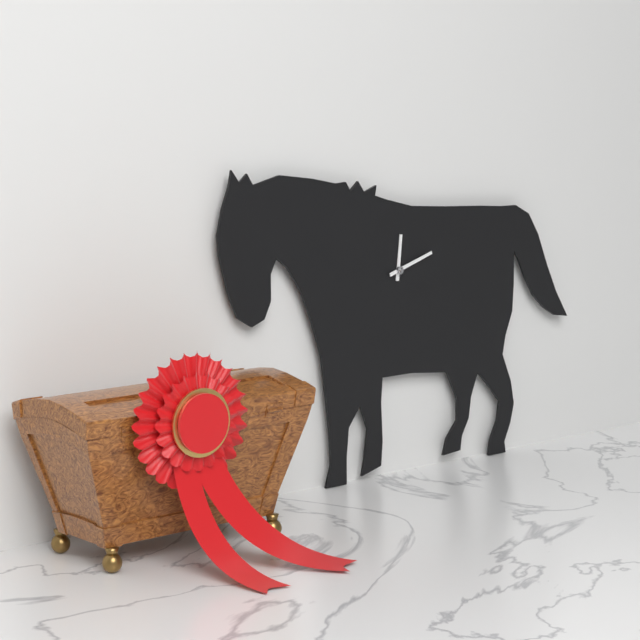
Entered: 12 h 12 min
